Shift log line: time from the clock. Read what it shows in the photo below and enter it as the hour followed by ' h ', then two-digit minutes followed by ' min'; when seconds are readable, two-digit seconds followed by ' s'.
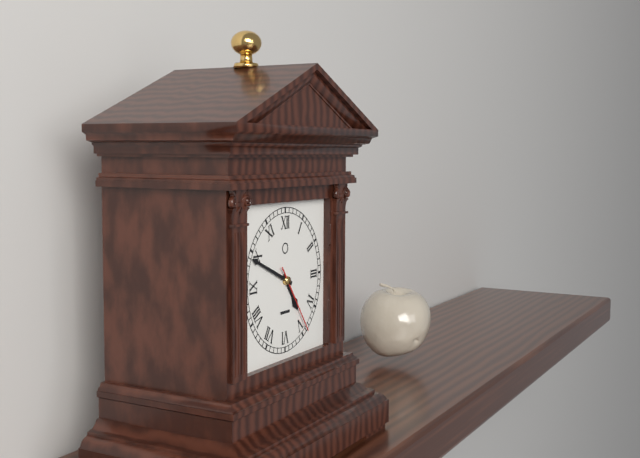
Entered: 4 h 49 min 24 s
